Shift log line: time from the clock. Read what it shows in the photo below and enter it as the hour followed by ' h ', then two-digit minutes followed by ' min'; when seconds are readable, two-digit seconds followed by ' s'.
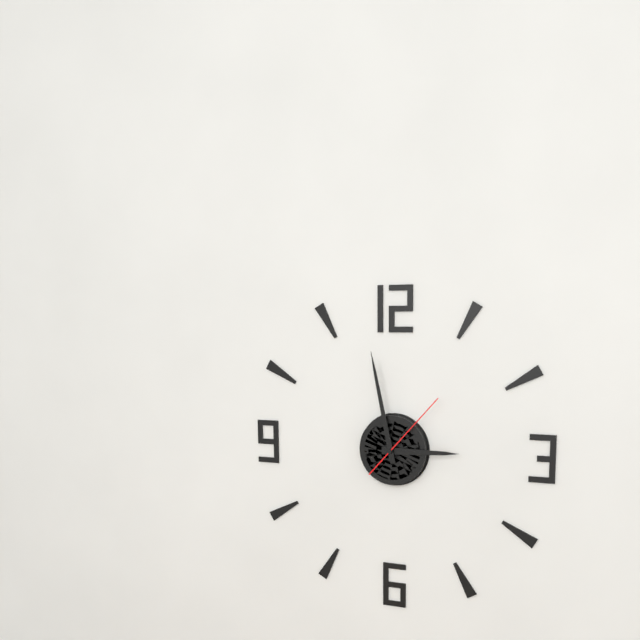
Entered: 2 h 58 min 07 s
